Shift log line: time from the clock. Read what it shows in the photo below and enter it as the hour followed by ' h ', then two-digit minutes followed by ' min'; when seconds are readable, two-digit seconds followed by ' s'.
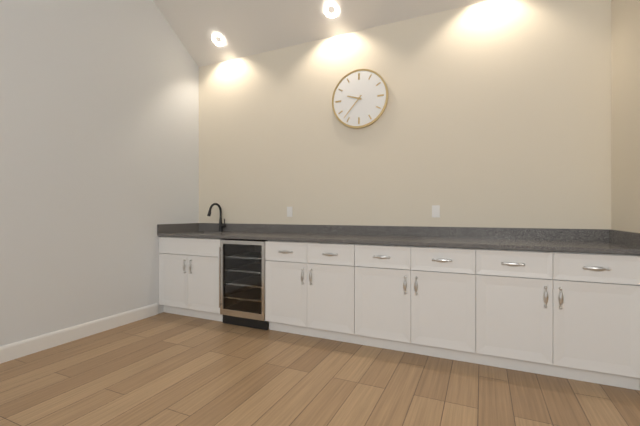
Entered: 9 h 37 min
